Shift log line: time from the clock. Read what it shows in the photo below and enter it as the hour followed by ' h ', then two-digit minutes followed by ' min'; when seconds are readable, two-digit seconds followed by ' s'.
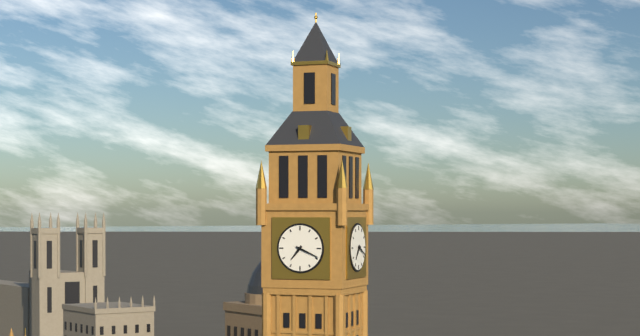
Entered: 7 h 19 min
